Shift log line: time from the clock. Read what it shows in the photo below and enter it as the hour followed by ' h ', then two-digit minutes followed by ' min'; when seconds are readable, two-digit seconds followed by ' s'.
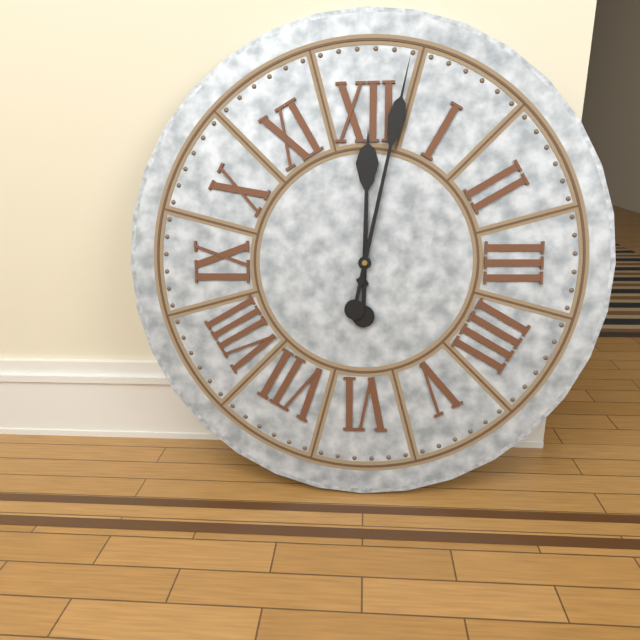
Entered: 12 h 02 min
